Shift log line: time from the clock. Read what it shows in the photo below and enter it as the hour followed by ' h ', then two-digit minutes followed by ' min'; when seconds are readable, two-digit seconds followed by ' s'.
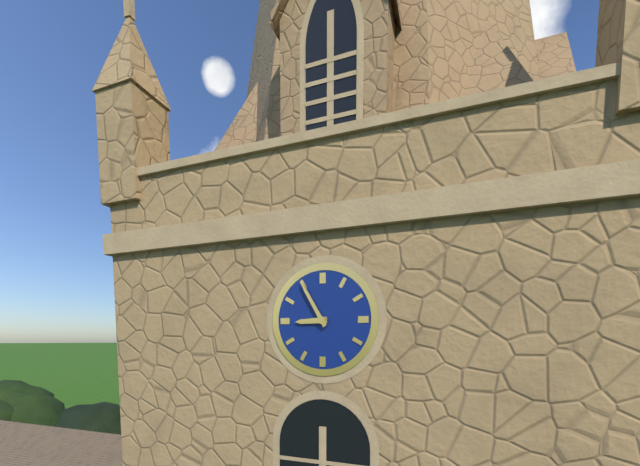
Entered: 8 h 55 min
